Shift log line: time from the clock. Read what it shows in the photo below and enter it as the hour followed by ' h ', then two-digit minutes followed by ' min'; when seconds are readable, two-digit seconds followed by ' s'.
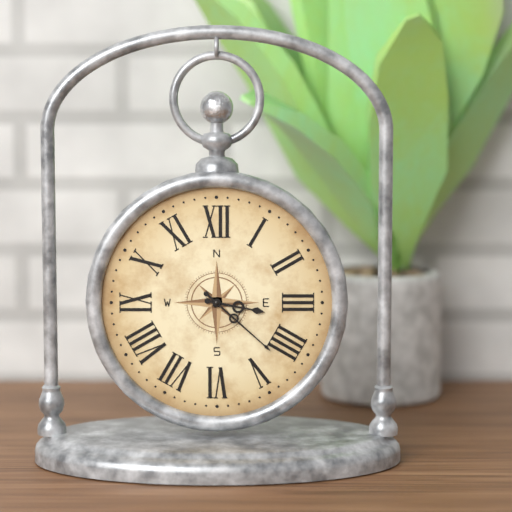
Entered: 3 h 22 min
